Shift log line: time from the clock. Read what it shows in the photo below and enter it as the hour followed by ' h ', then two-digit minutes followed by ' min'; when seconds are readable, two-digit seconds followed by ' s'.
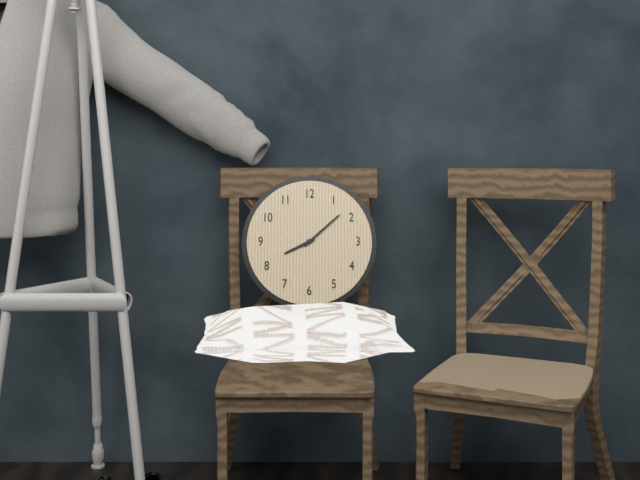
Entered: 8 h 08 min
